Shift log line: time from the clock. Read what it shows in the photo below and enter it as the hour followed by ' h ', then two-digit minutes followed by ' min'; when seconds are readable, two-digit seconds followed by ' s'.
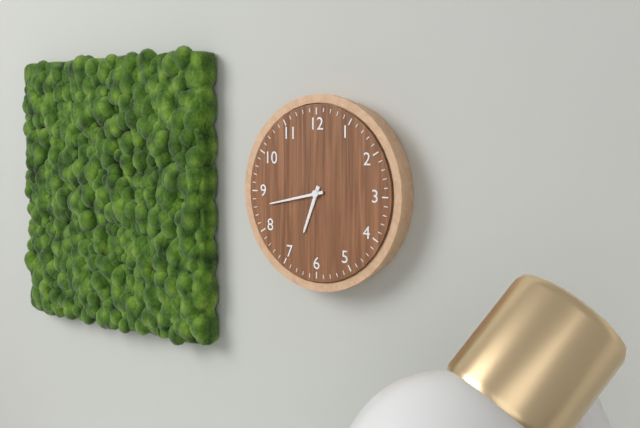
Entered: 6 h 43 min
